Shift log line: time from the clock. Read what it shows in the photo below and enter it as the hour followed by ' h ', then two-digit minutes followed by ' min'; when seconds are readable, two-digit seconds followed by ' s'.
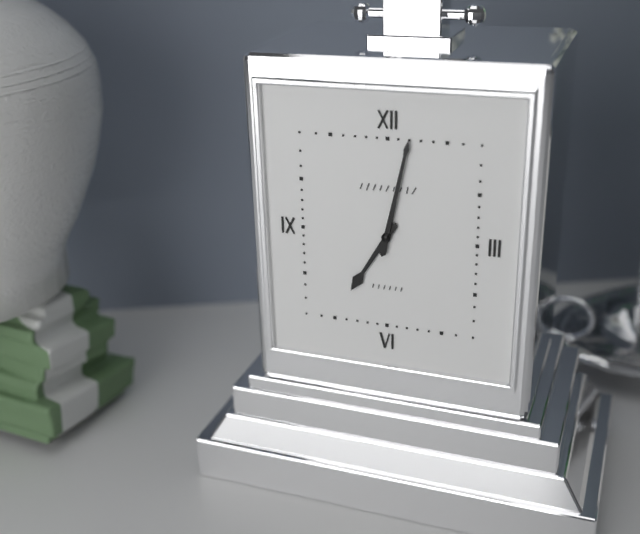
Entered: 7 h 02 min
